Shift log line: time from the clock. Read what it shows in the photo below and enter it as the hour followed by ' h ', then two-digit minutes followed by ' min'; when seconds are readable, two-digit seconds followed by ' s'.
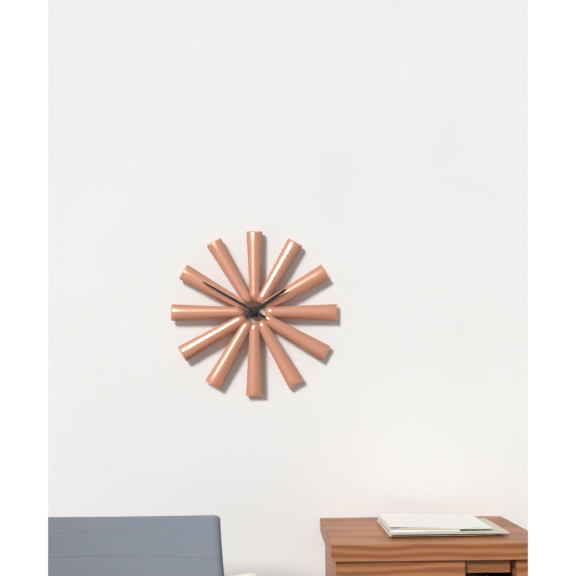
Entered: 1 h 50 min
